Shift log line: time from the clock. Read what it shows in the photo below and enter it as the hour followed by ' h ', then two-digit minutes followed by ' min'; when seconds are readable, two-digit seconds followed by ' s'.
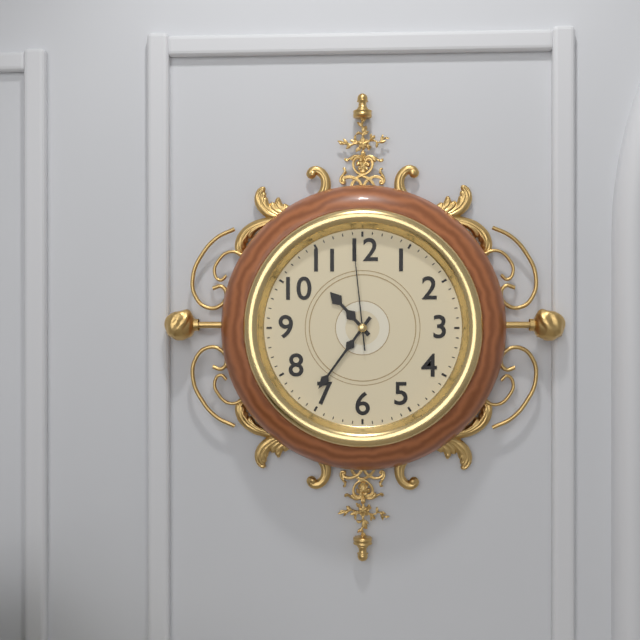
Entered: 10 h 36 min 59 s
